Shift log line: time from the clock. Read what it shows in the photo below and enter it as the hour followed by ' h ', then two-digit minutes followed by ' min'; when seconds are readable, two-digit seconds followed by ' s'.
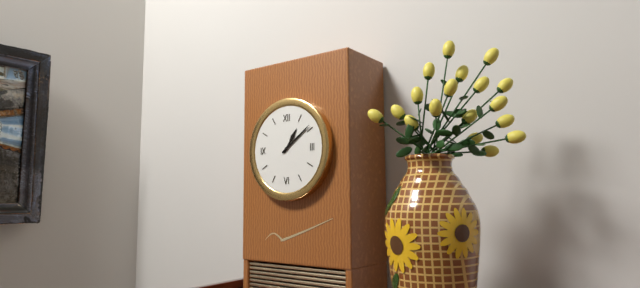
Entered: 1 h 09 min
